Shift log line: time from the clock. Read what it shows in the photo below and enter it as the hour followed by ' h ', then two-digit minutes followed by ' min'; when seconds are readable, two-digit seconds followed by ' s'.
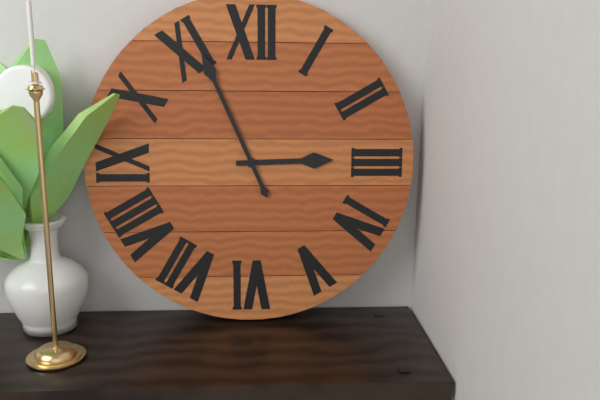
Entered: 2 h 56 min
